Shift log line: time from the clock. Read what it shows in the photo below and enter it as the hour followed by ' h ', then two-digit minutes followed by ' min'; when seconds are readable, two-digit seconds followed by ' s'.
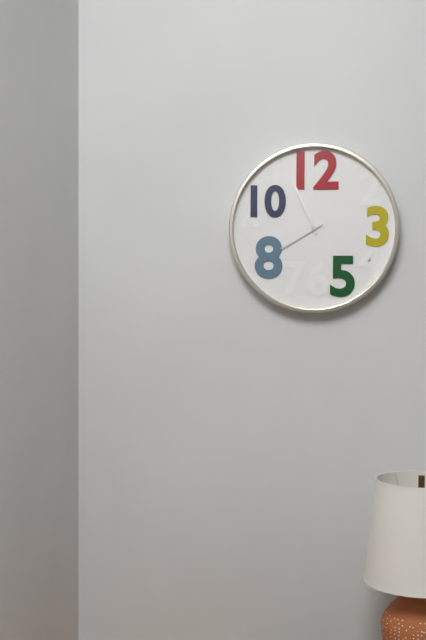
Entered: 7 h 56 min
